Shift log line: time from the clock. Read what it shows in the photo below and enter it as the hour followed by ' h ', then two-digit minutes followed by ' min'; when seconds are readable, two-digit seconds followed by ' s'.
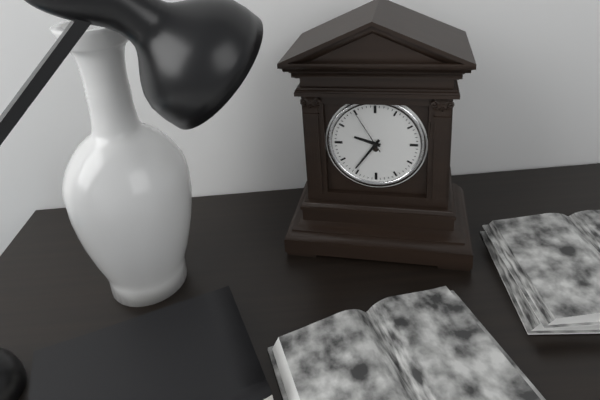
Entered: 9 h 36 min
